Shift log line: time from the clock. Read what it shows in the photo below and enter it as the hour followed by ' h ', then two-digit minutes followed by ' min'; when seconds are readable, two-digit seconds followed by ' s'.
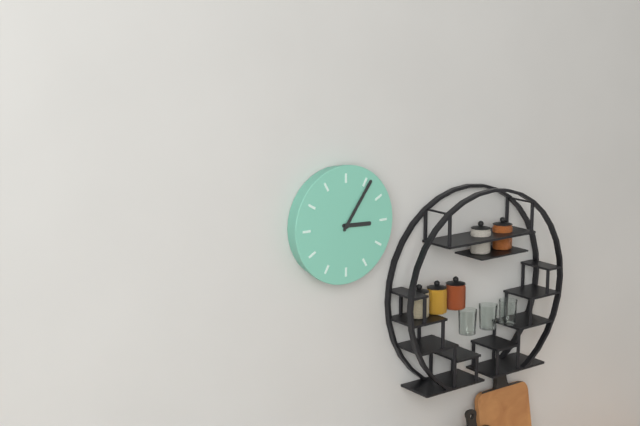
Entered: 3 h 06 min
